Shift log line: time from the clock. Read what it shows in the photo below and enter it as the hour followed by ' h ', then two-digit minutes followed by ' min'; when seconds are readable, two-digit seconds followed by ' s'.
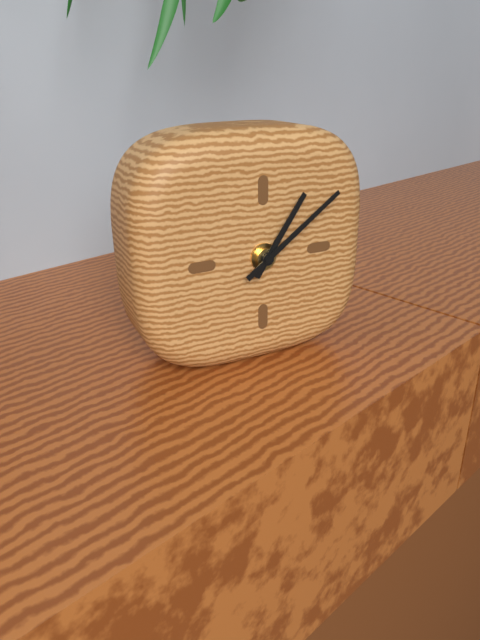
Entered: 1 h 09 min
